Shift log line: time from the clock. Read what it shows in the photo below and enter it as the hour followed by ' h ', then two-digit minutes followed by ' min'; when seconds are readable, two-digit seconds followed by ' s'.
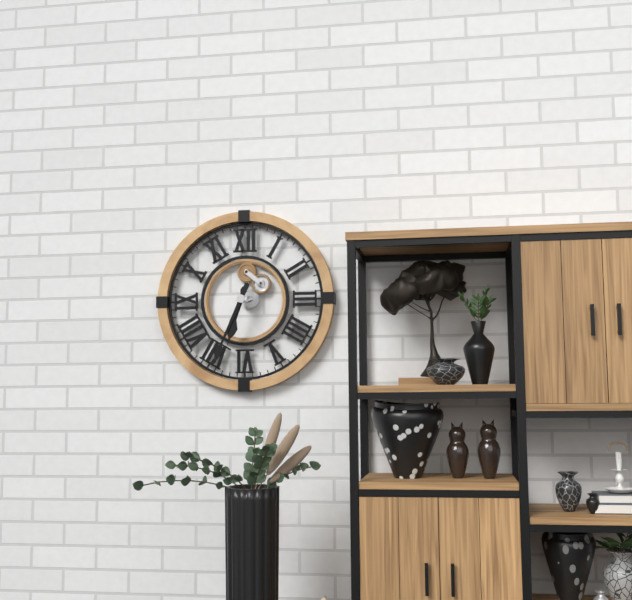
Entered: 6 h 34 min
